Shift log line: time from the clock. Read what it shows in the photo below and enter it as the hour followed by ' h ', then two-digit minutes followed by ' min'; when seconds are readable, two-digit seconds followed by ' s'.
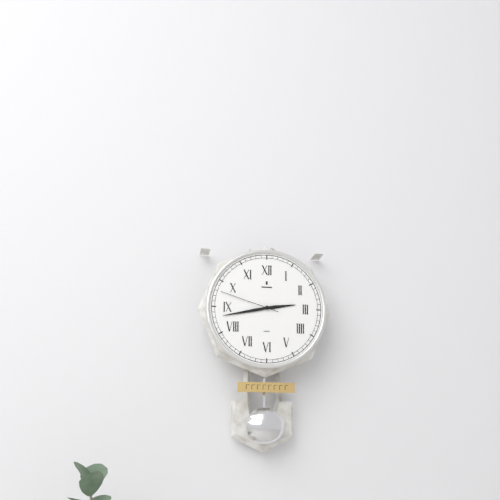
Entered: 2 h 43 min 48 s
